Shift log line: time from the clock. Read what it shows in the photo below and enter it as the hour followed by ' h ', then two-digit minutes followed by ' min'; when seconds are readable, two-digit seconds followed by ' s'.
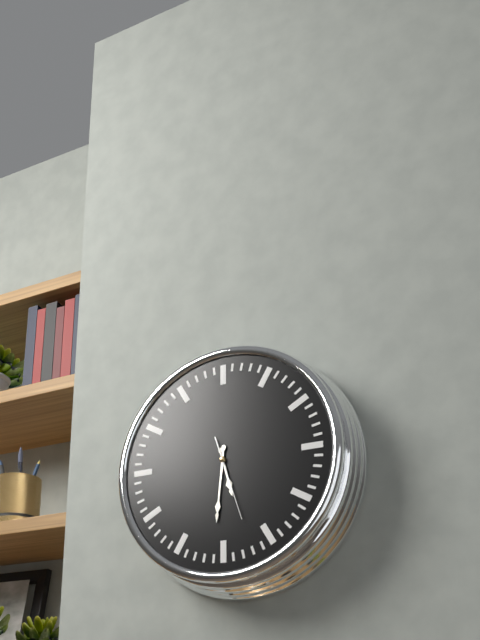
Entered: 5 h 31 min 27 s
